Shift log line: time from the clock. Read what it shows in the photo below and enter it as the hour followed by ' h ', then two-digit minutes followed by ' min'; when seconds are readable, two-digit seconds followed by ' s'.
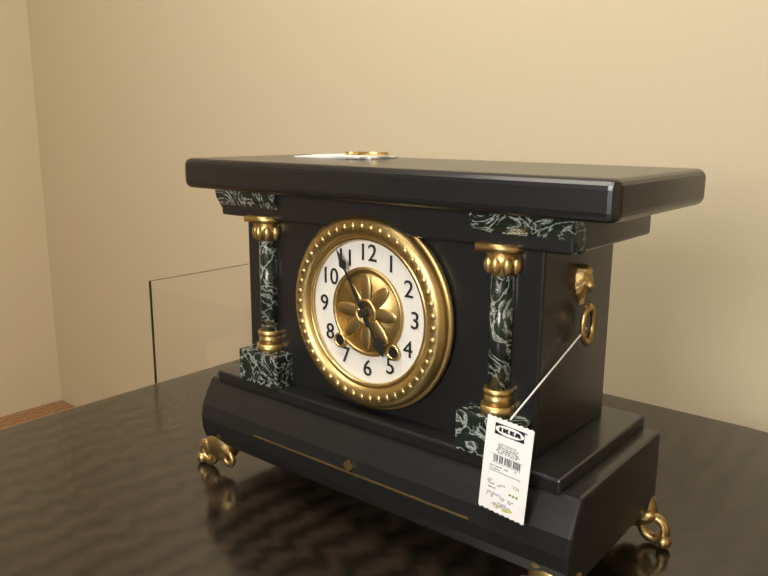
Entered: 4 h 55 min
